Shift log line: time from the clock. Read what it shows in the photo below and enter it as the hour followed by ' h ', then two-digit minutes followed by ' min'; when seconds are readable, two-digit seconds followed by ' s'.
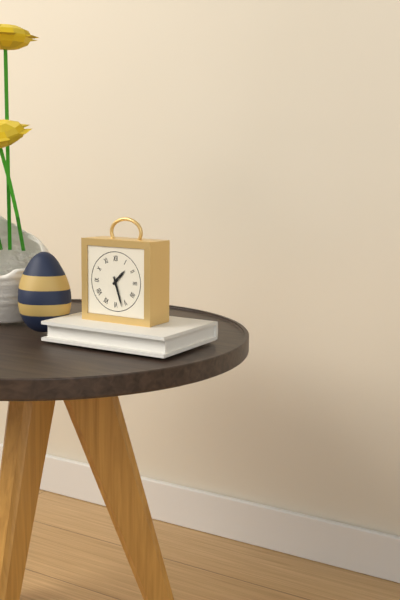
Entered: 1 h 27 min
